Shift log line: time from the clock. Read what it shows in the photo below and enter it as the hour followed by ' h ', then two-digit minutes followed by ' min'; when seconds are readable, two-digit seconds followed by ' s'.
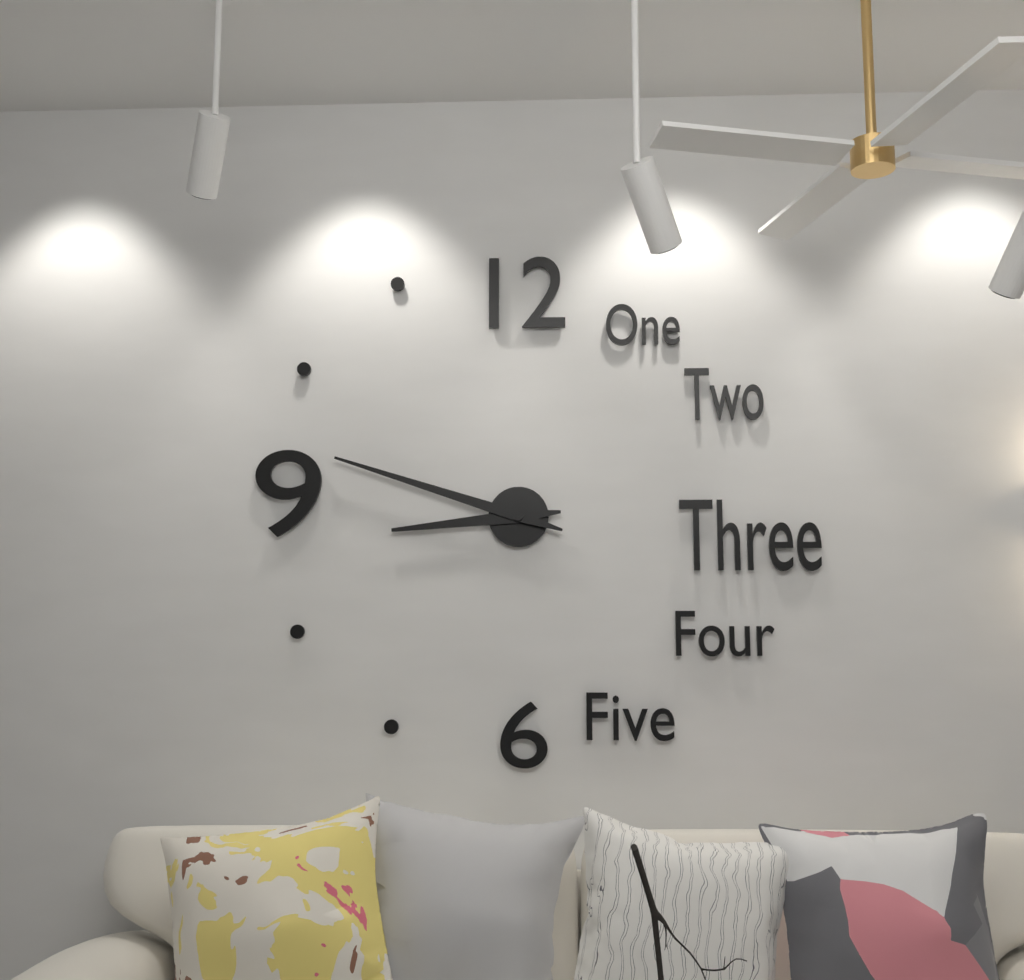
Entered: 8 h 48 min
